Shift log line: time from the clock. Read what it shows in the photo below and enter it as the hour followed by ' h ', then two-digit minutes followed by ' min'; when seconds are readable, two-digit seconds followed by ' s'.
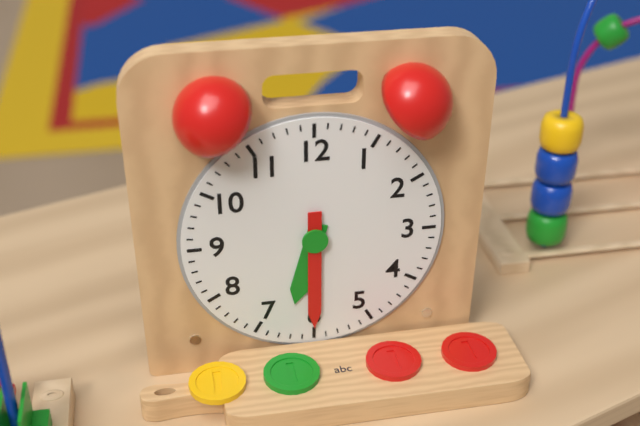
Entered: 6 h 30 min
